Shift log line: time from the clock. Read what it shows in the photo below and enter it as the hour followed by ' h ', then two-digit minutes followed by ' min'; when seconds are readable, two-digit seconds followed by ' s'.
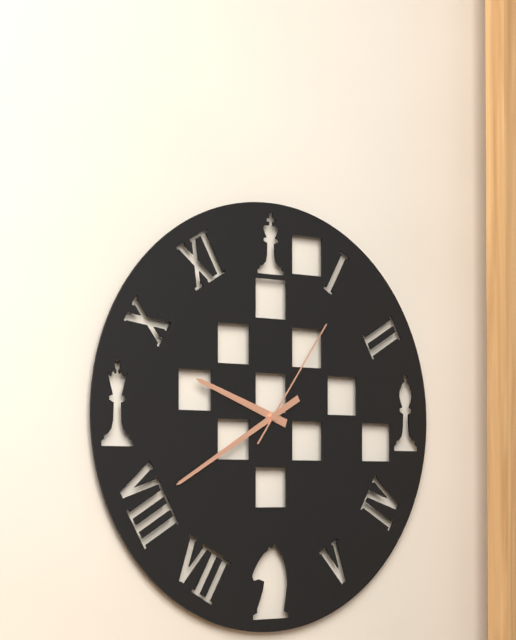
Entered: 9 h 40 min 06 s
